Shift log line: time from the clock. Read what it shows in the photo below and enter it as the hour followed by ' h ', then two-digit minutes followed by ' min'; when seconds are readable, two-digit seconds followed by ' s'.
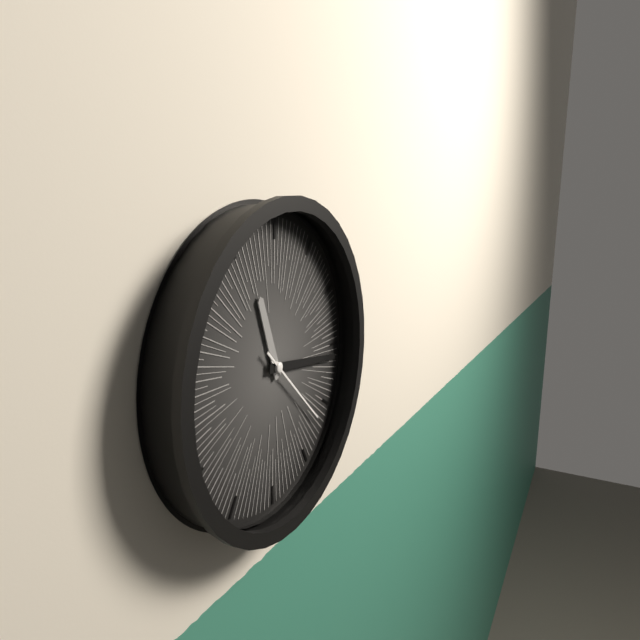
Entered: 11 h 16 min 22 s
